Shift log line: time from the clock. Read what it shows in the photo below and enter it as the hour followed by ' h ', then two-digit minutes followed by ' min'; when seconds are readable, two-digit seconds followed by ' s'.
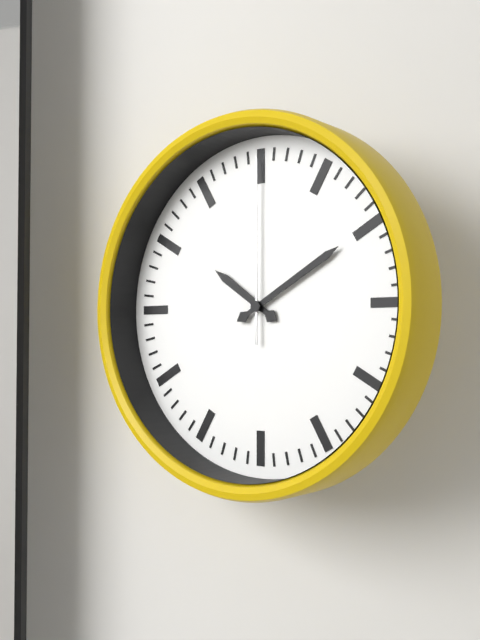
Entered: 10 h 10 min 00 s
